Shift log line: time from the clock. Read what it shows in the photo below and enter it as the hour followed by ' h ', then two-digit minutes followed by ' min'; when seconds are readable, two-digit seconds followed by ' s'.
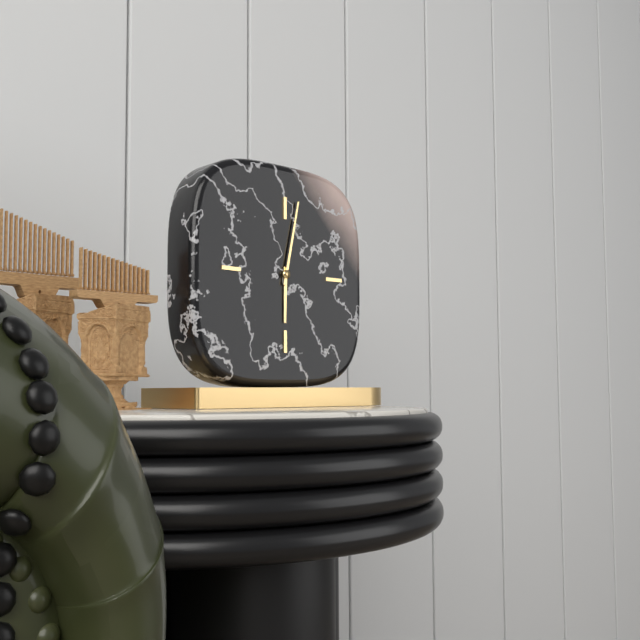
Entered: 6 h 02 min
